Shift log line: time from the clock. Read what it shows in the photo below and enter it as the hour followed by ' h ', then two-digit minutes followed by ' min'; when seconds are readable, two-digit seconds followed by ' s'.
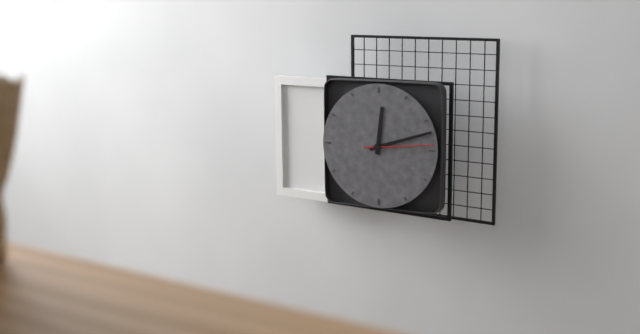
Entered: 12 h 12 min 14 s
